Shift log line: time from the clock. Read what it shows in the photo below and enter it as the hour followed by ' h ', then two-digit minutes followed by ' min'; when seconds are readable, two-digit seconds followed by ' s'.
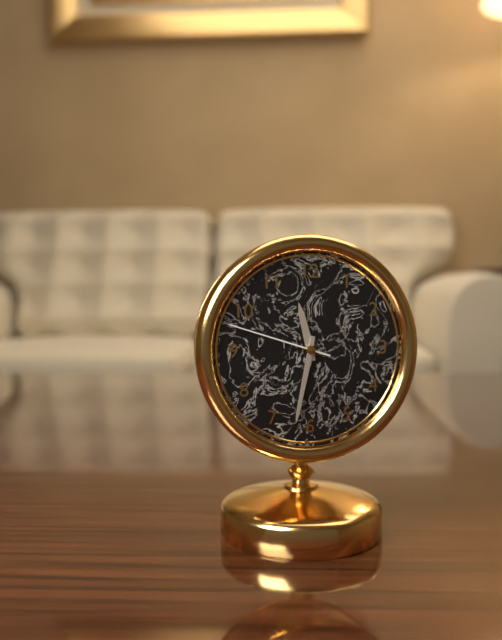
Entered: 11 h 32 min 48 s
